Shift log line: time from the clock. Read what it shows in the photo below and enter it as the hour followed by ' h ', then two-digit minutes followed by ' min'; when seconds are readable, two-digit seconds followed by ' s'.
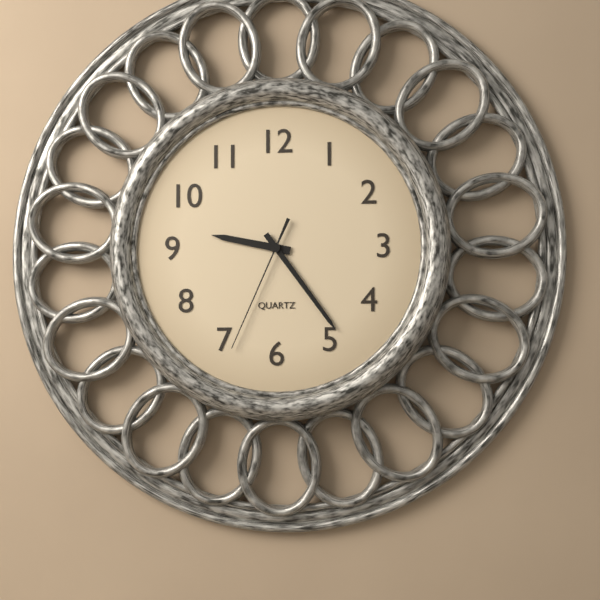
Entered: 9 h 24 min 34 s
